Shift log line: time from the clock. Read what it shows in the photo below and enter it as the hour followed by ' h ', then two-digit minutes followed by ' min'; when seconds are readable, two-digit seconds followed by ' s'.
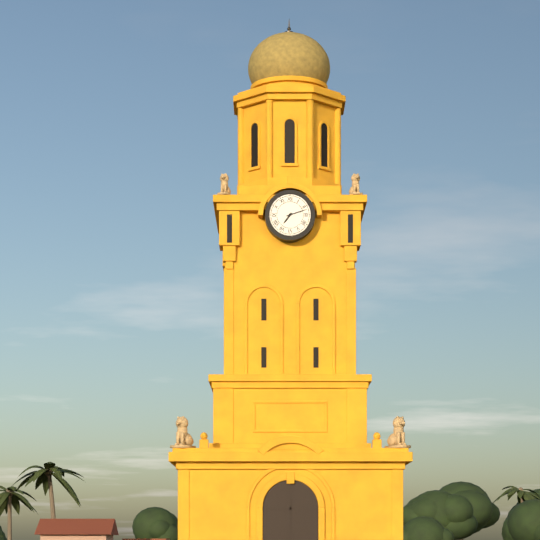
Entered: 7 h 12 min
